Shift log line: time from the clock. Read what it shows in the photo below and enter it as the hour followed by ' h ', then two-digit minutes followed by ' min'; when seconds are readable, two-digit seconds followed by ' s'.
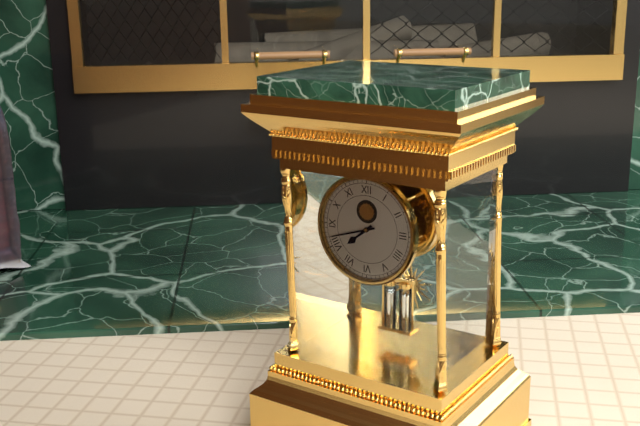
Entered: 7 h 42 min
